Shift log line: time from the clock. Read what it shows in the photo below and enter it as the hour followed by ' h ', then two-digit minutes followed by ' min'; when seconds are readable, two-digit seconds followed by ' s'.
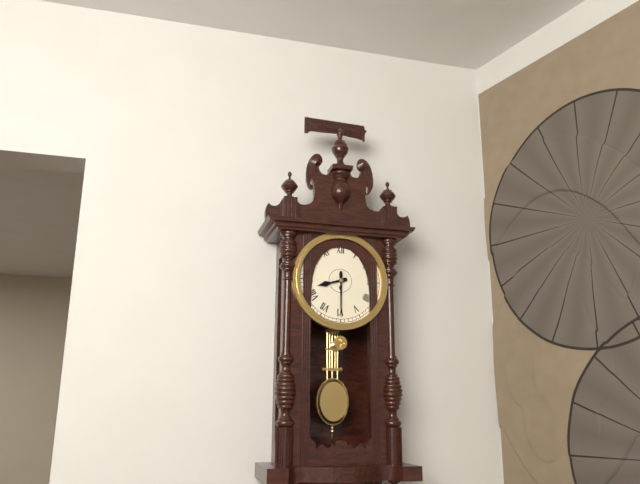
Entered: 8 h 30 min
